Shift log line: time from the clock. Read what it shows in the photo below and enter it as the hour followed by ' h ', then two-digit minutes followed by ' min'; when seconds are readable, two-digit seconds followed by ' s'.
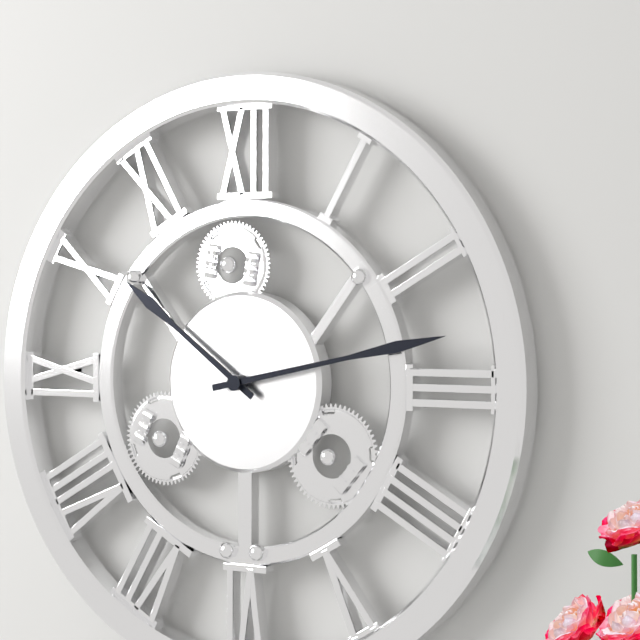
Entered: 10 h 13 min
